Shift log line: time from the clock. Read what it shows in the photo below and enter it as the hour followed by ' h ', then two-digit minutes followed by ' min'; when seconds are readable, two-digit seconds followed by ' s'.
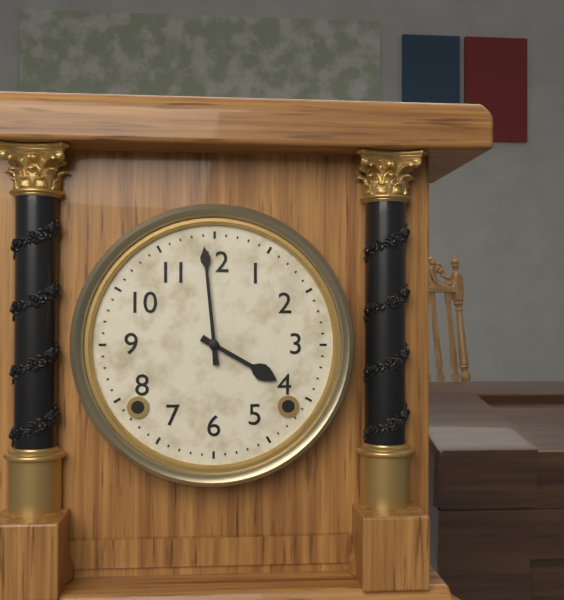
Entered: 3 h 59 min
